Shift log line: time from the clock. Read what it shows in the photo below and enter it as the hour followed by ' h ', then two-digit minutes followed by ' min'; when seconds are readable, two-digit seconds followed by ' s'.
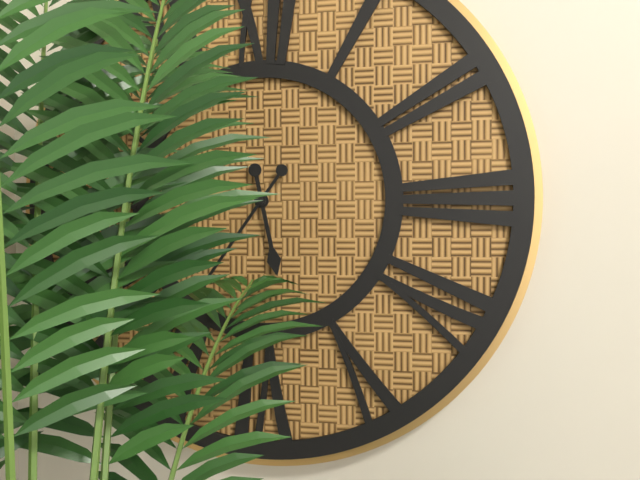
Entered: 5 h 36 min
